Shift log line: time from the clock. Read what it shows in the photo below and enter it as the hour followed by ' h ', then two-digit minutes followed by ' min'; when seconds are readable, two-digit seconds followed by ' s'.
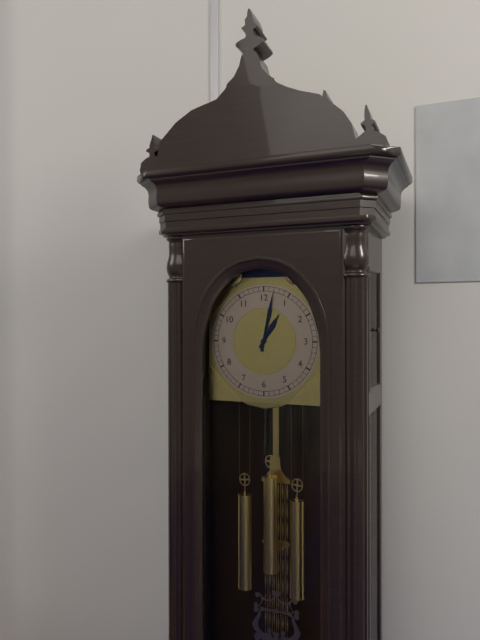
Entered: 1 h 02 min
